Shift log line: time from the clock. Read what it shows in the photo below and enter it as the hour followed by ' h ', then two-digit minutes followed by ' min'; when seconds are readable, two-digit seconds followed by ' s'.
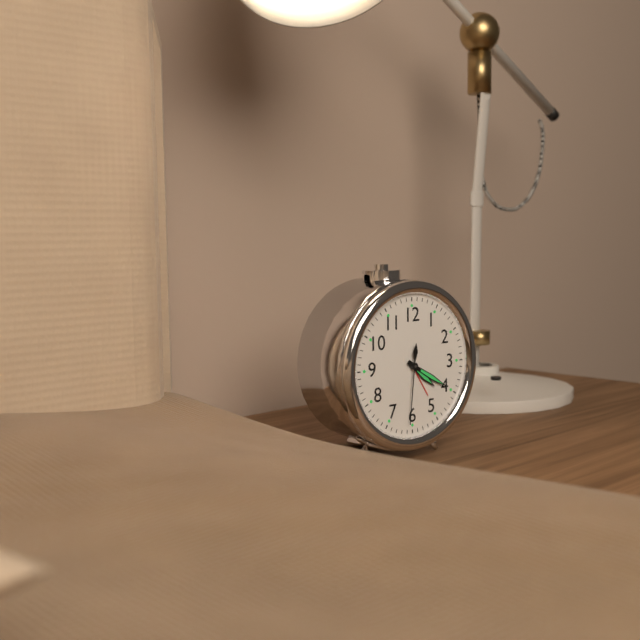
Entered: 4 h 20 min 31 s
